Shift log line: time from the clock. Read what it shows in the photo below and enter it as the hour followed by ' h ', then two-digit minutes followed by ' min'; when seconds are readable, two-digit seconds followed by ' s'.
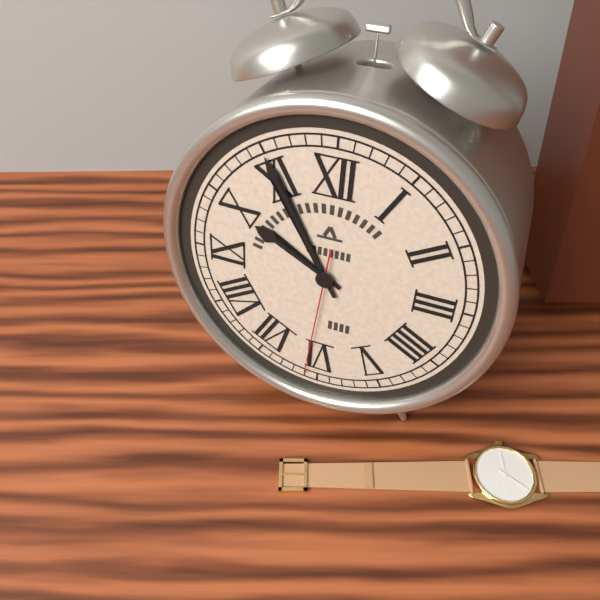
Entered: 9 h 55 min 31 s
